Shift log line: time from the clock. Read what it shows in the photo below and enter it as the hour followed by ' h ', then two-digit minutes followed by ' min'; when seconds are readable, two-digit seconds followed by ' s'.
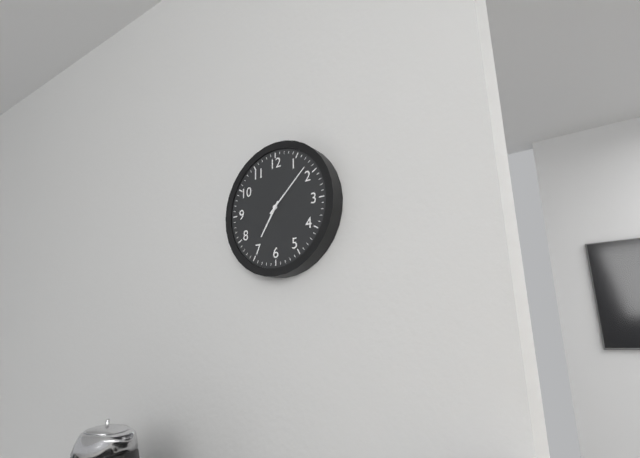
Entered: 7 h 08 min
